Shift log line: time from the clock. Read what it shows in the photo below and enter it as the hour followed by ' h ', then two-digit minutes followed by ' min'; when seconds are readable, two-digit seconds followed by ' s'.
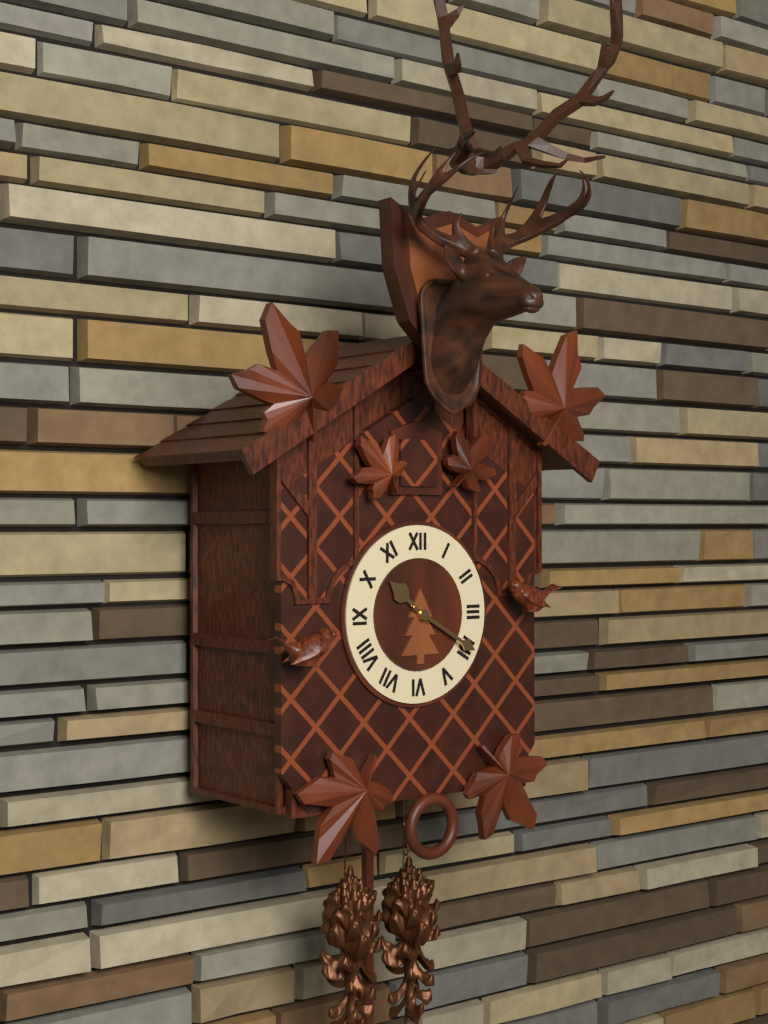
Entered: 10 h 20 min
